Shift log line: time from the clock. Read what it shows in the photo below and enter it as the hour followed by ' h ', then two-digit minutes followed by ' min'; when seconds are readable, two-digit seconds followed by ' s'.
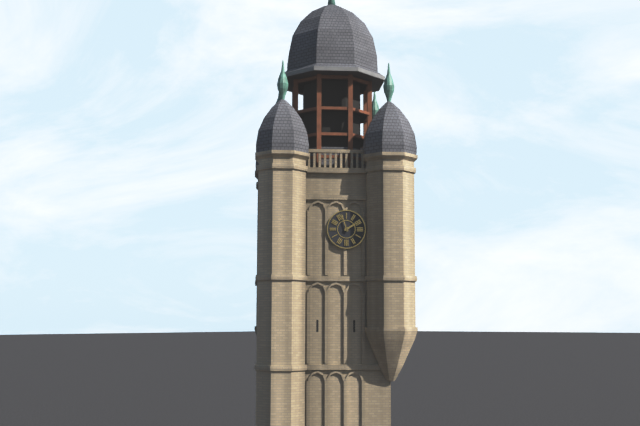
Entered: 1 h 57 min
